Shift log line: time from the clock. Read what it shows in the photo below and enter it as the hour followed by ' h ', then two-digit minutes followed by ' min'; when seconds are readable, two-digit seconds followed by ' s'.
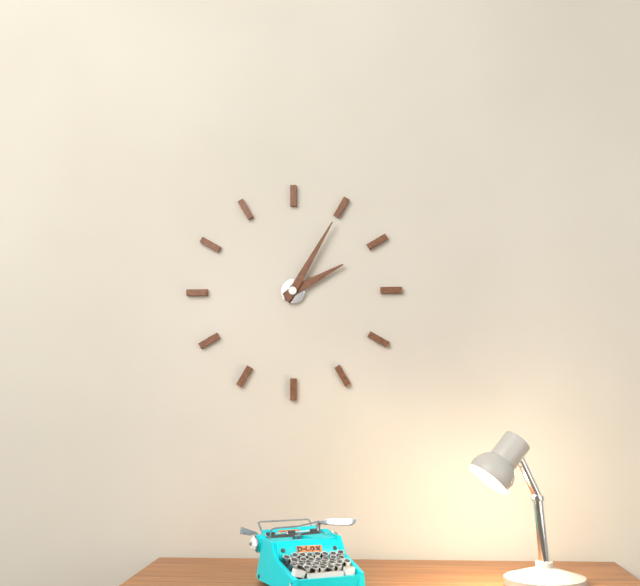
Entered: 2 h 05 min
